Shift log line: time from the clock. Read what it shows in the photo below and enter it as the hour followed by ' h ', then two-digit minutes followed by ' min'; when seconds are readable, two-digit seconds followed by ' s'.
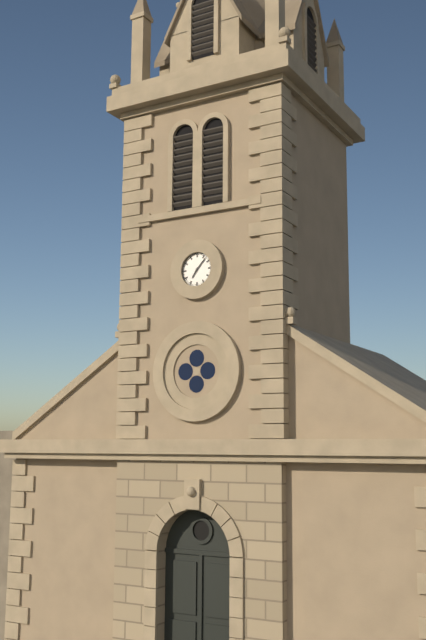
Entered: 7 h 07 min
